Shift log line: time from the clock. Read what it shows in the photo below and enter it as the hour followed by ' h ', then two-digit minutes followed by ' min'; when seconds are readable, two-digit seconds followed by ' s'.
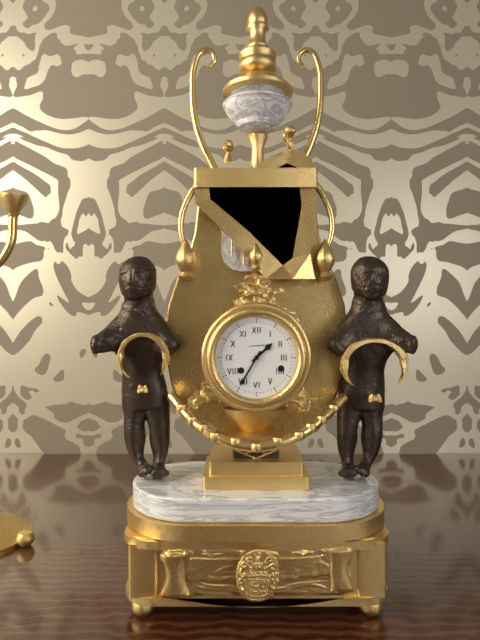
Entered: 1 h 35 min
